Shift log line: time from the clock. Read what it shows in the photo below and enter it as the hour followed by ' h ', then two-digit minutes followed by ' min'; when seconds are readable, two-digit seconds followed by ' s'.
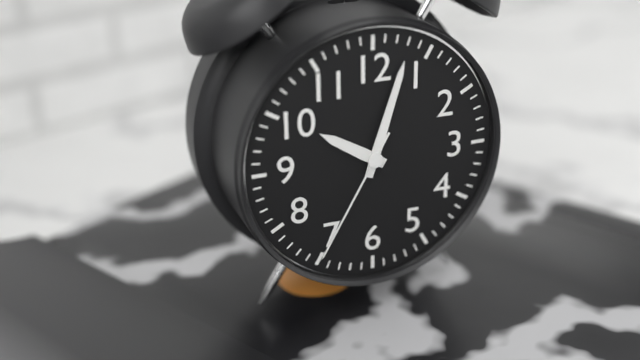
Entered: 10 h 03 min 35 s
